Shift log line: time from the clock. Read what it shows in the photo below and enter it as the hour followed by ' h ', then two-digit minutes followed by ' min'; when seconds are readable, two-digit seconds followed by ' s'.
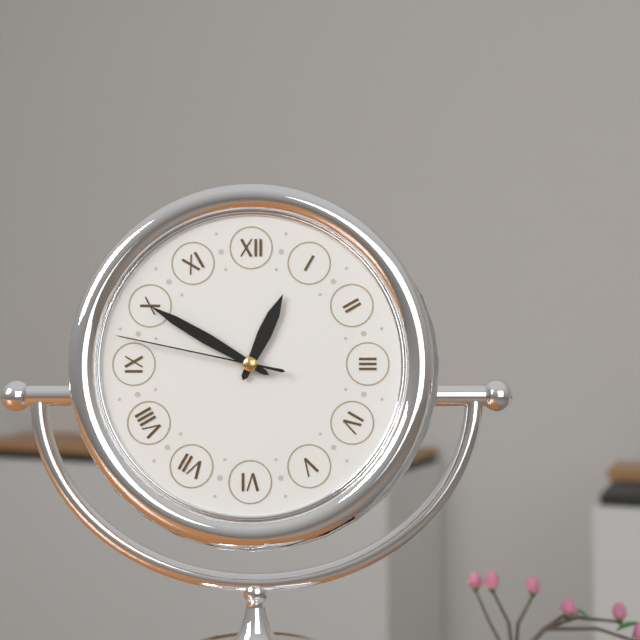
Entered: 12 h 50 min 47 s
